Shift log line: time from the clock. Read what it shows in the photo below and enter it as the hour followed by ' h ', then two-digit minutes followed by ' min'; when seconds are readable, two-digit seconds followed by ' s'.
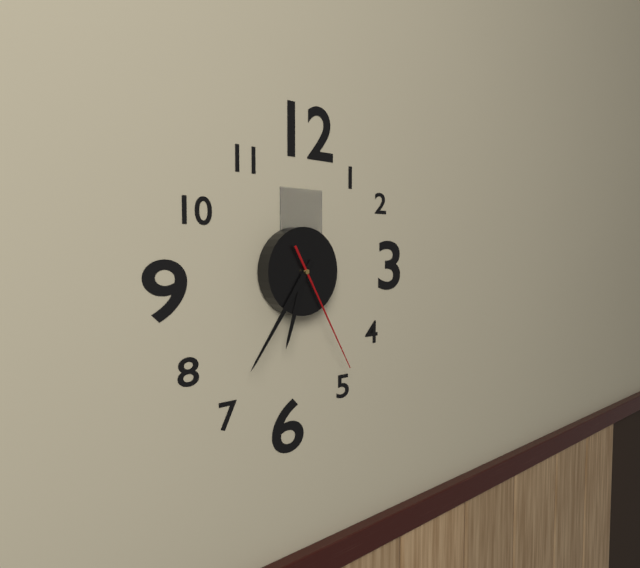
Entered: 6 h 36 min 25 s
